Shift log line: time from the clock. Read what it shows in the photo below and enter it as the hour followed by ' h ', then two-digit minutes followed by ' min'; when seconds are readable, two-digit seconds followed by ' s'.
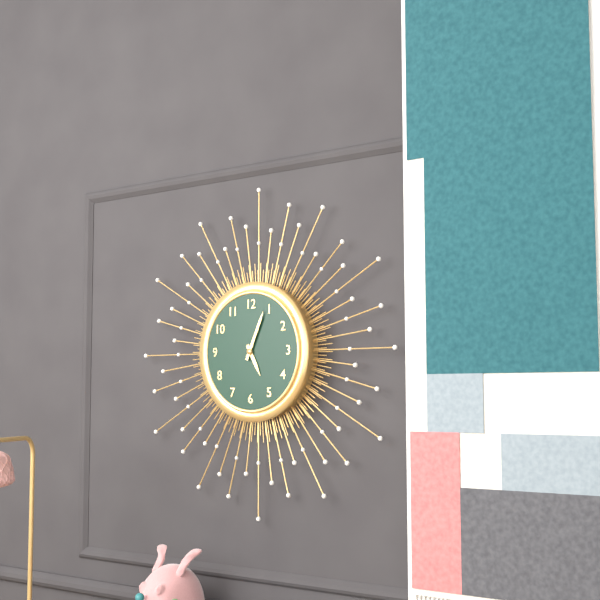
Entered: 5 h 04 min
